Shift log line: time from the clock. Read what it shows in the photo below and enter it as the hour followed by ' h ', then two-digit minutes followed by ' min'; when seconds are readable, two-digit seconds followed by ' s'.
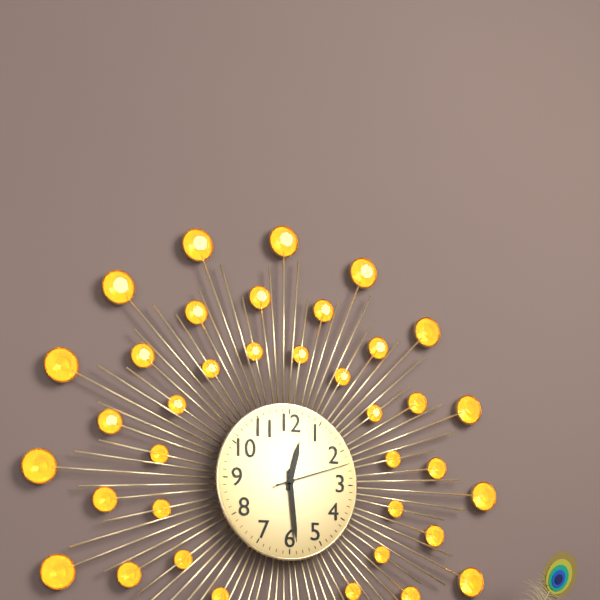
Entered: 12 h 29 min 12 s
